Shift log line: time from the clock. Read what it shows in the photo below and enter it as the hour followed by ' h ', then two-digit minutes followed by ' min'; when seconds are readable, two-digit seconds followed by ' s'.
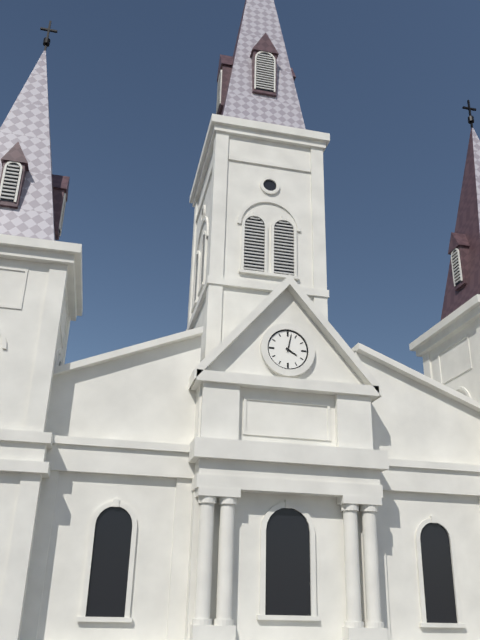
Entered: 4 h 02 min
